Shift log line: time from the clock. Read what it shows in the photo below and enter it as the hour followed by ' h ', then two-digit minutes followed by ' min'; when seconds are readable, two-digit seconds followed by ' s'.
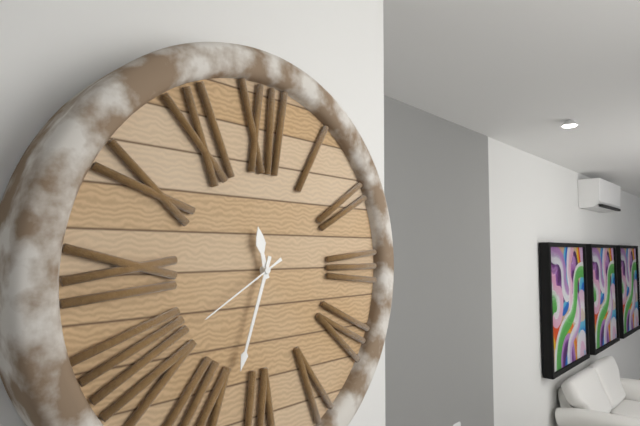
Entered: 11 h 33 min 40 s
